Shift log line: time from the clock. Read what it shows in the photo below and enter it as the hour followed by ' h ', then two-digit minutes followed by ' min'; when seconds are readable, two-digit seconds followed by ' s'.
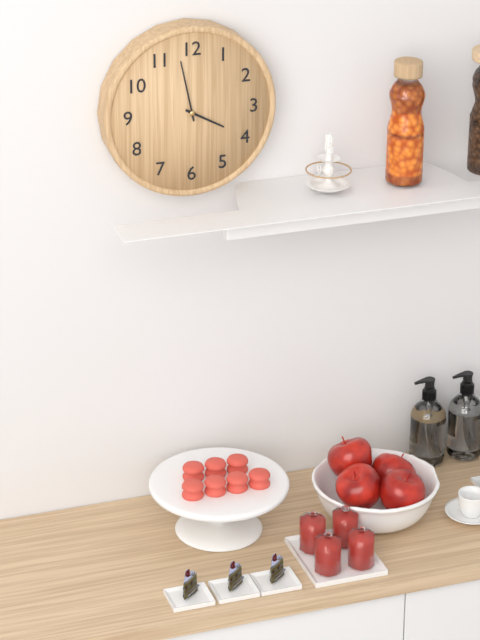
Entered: 3 h 58 min
